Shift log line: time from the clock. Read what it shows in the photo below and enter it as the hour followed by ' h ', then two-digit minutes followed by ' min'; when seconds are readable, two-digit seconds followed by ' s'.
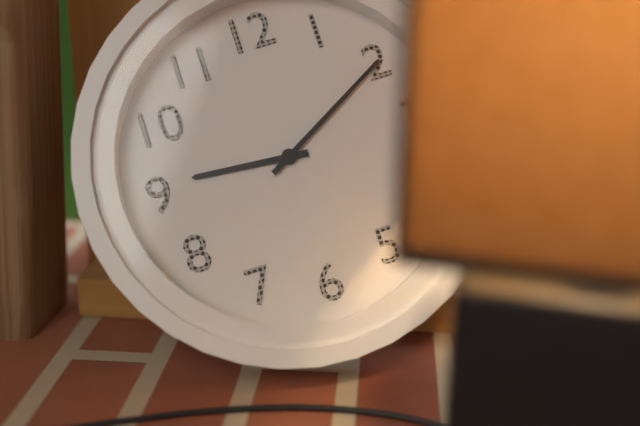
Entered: 9 h 10 min
